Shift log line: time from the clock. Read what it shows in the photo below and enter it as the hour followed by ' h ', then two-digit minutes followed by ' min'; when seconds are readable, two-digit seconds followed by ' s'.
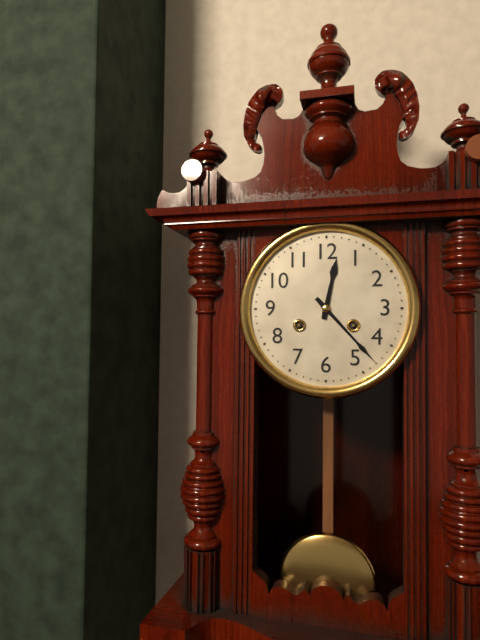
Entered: 12 h 23 min
